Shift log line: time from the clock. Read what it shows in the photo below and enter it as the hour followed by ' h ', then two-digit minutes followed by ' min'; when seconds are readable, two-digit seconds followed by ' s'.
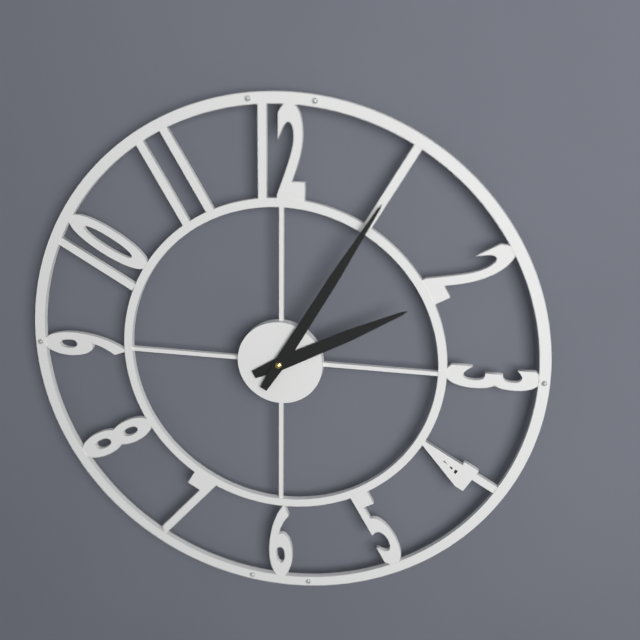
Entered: 2 h 05 min
